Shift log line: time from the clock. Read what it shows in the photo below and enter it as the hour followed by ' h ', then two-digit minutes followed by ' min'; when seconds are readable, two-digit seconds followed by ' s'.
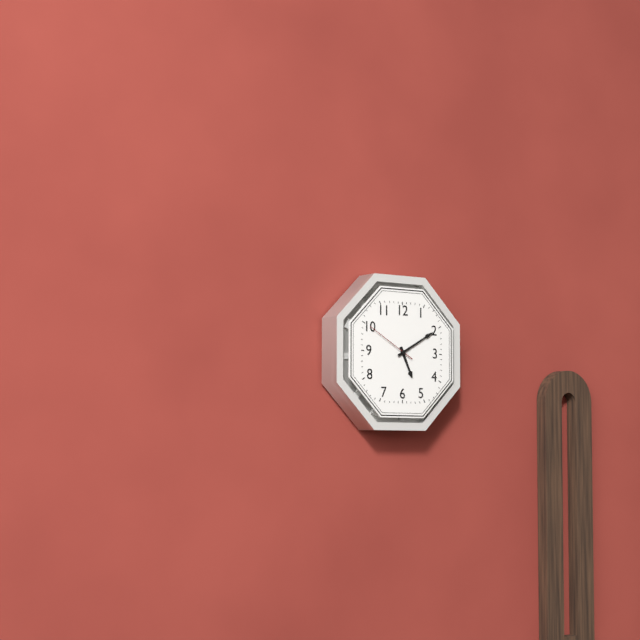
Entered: 5 h 10 min 50 s
